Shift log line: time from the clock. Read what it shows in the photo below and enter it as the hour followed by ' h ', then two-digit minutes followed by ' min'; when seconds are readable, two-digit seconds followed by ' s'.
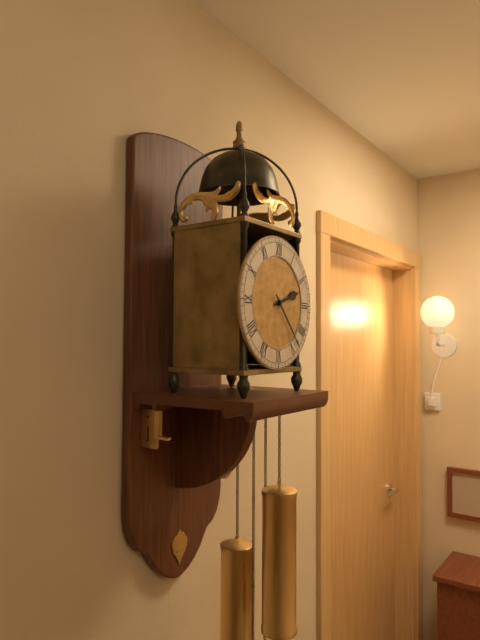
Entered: 2 h 23 min
